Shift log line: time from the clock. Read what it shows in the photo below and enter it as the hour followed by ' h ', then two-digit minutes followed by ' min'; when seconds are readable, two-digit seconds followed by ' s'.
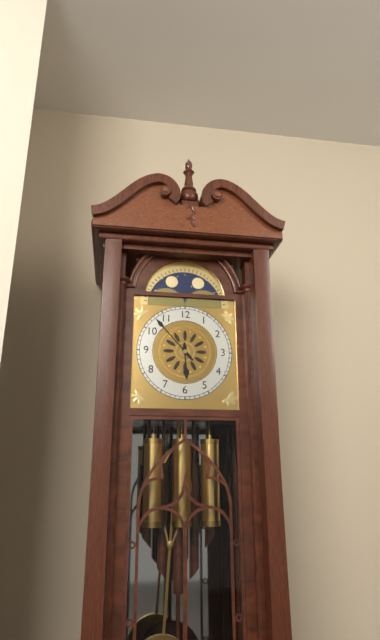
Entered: 5 h 53 min
